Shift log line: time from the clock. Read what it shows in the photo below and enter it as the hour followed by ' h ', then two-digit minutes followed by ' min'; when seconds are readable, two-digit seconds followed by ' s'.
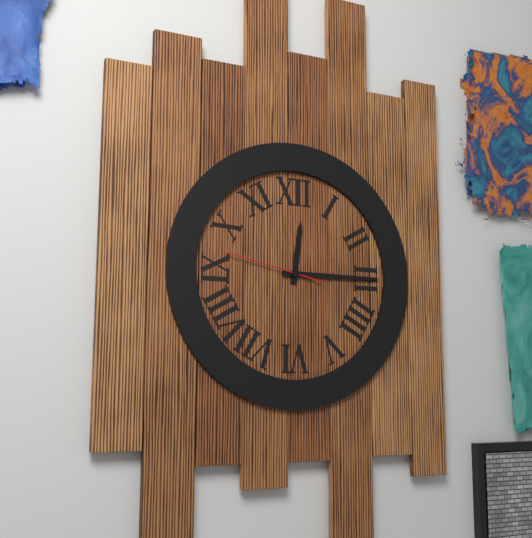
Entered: 12 h 15 min 47 s
